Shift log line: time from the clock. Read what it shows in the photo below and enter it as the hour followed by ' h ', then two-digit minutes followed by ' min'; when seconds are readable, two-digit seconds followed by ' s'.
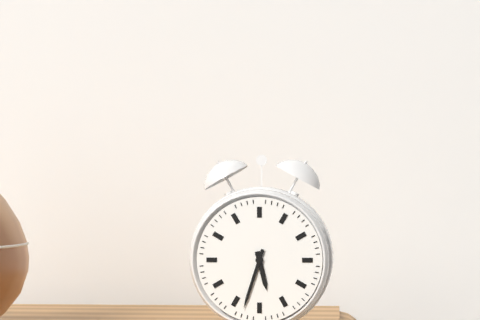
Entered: 5 h 33 min
